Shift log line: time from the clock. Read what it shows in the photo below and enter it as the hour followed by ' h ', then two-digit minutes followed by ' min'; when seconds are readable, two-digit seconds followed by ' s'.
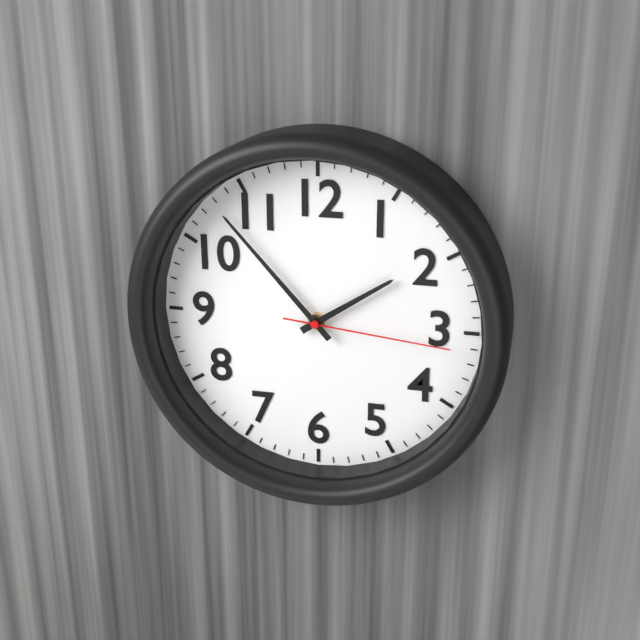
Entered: 1 h 53 min 16 s
